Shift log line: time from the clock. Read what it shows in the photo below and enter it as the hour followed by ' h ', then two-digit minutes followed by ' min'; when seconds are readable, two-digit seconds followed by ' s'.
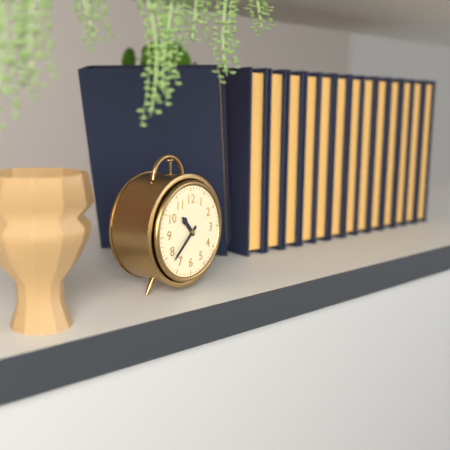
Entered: 10 h 38 min
